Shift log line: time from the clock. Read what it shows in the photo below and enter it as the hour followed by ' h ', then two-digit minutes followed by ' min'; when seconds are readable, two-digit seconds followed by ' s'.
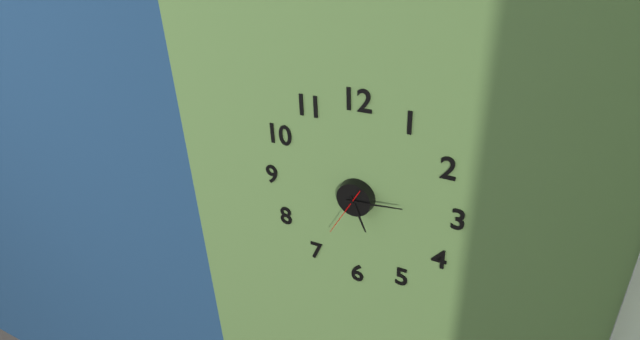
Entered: 5 h 14 min 35 s
